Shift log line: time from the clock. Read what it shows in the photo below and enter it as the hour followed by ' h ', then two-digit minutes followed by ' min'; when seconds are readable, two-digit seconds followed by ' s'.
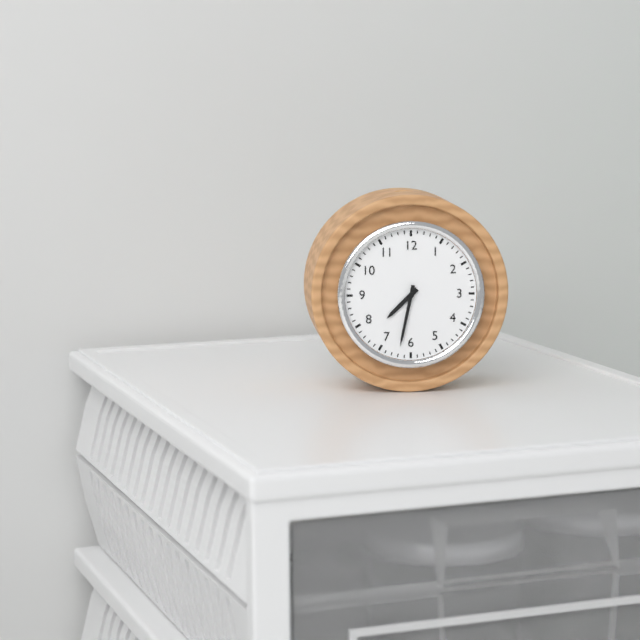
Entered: 7 h 32 min
